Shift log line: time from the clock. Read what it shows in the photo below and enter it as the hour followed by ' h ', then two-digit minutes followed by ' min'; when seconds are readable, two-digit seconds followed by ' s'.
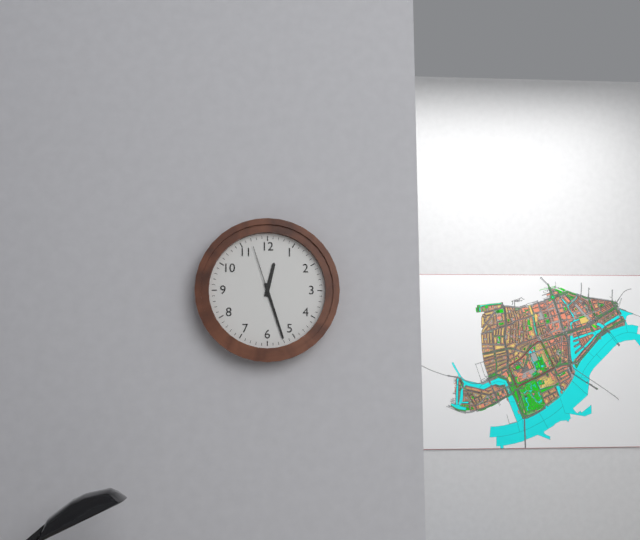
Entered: 12 h 27 min 57 s
